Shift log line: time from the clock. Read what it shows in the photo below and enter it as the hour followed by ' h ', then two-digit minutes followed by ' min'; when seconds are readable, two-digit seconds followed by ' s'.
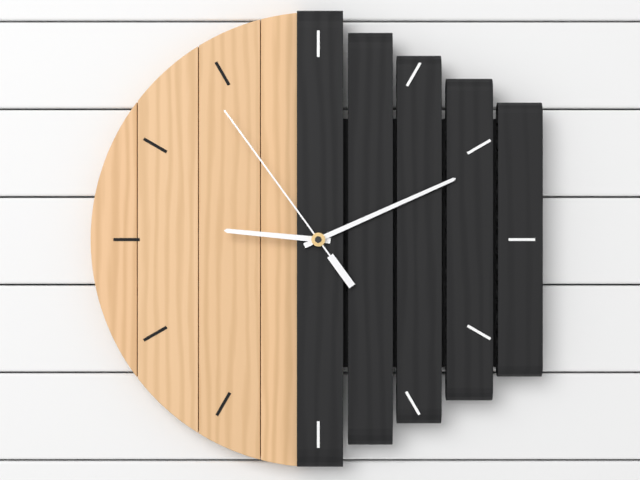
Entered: 9 h 11 min 54 s
